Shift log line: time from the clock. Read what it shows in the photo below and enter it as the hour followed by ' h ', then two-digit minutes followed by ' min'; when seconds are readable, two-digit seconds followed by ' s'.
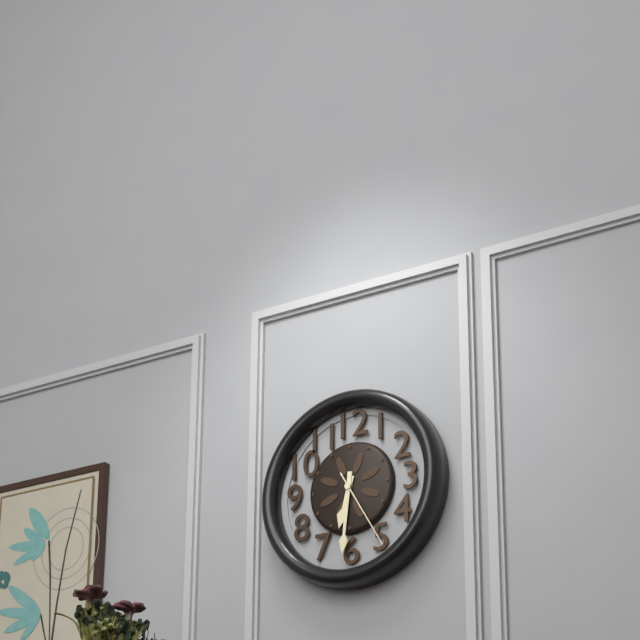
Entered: 6 h 31 min 25 s
